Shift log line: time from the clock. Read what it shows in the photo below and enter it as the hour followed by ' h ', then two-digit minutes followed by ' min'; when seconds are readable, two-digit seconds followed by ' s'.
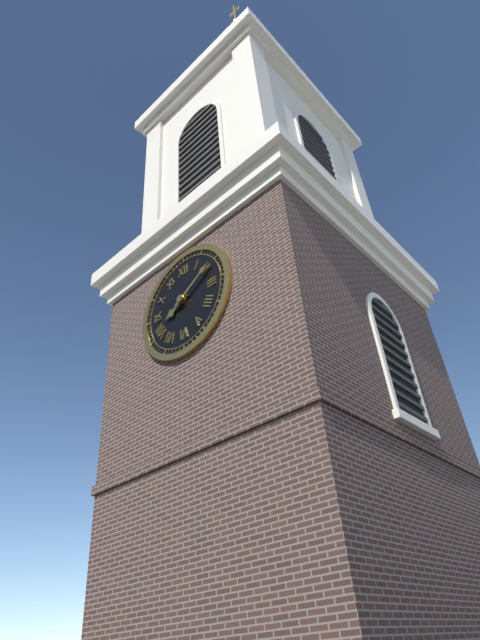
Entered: 8 h 10 min
